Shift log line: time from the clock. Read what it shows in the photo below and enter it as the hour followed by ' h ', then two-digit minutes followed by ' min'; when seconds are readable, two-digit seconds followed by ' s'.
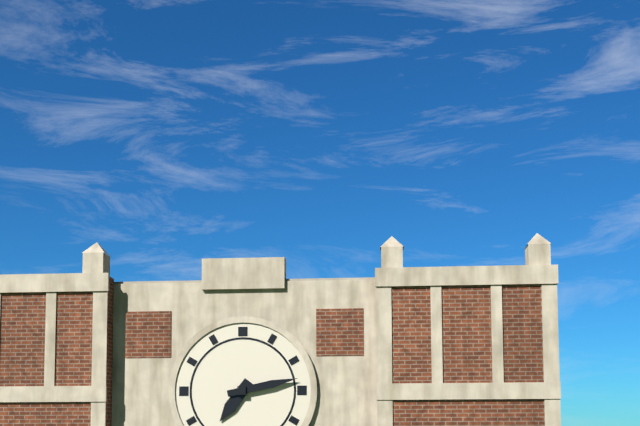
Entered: 7 h 13 min
